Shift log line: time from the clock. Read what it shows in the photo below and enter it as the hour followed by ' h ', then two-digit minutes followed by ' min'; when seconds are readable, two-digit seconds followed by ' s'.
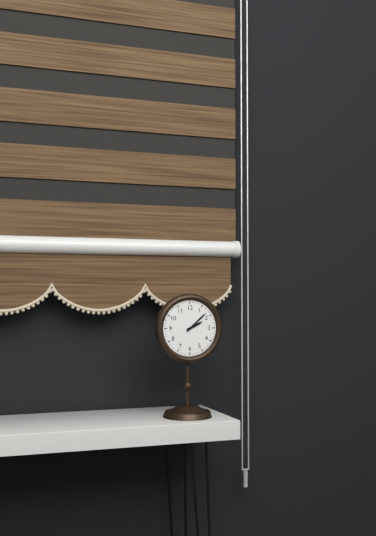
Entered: 2 h 08 min
